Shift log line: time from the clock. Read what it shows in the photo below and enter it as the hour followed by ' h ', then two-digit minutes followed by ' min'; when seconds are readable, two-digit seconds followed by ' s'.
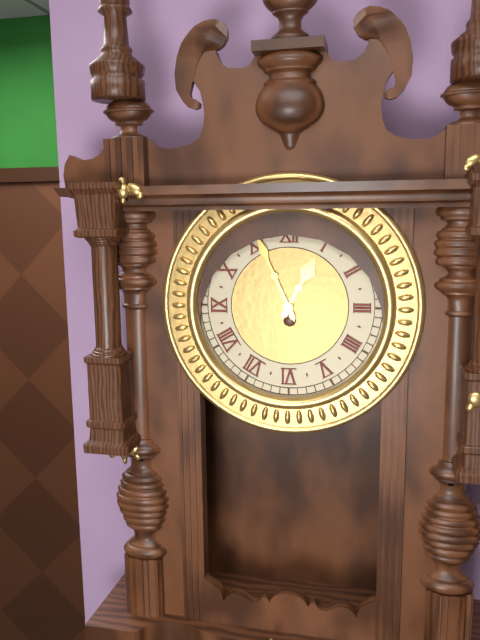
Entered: 12 h 56 min
